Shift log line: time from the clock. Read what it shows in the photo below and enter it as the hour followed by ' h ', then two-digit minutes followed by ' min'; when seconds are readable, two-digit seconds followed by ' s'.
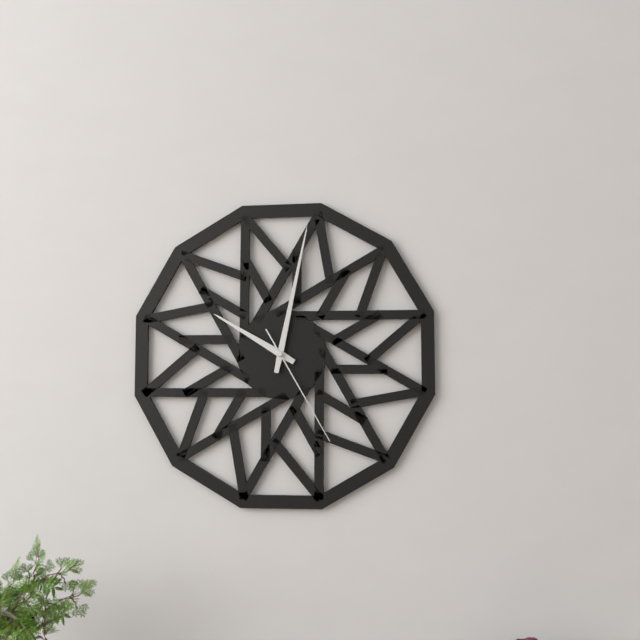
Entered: 10 h 02 min 25 s
